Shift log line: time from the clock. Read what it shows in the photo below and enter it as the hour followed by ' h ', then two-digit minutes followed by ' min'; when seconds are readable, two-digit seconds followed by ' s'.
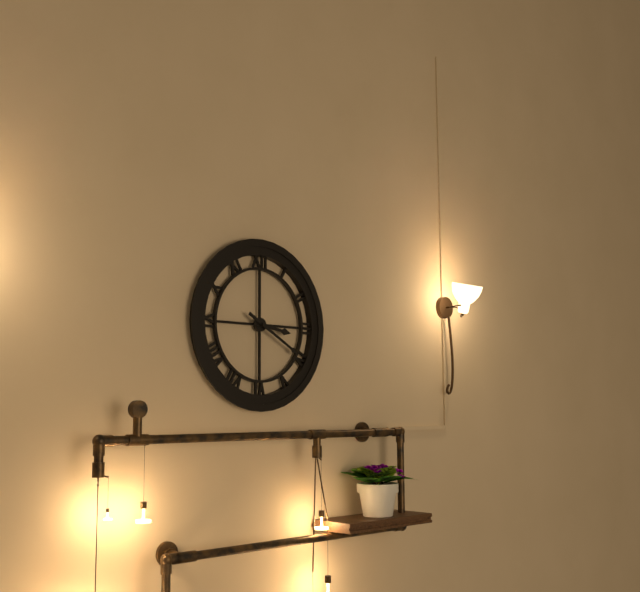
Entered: 3 h 20 min
